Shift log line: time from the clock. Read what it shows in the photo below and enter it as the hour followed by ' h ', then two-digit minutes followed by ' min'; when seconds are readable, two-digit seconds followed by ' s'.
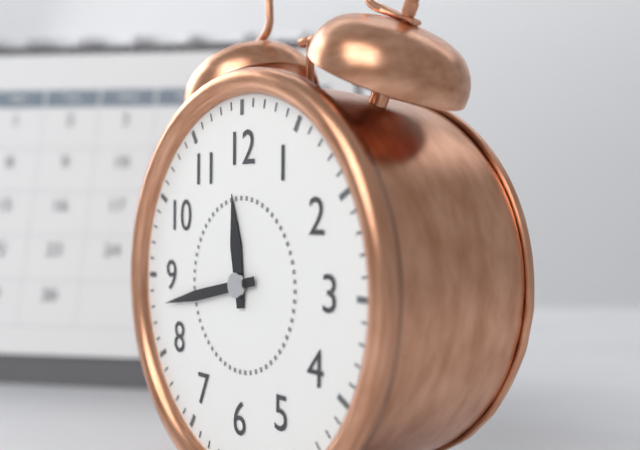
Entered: 11 h 43 min
